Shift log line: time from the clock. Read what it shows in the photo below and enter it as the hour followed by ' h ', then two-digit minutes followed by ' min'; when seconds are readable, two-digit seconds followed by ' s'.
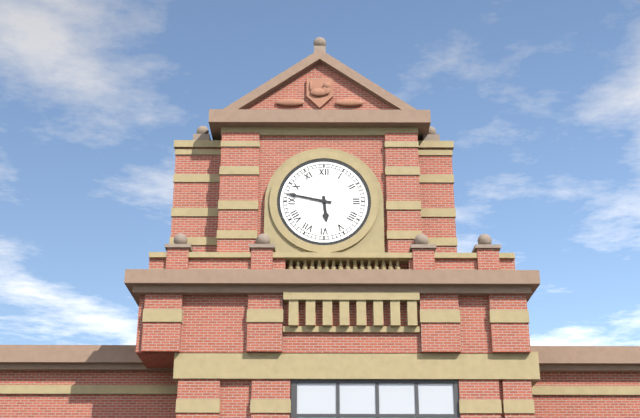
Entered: 5 h 47 min
